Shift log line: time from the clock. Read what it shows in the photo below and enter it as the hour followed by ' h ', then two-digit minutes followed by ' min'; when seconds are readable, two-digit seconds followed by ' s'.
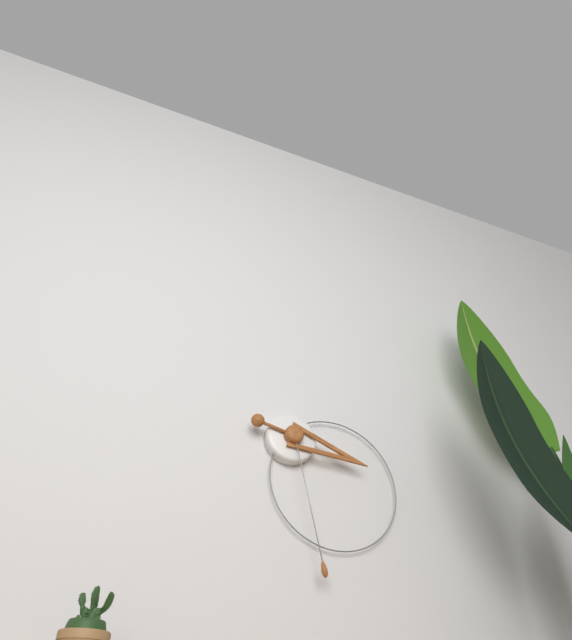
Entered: 3 h 28 min
